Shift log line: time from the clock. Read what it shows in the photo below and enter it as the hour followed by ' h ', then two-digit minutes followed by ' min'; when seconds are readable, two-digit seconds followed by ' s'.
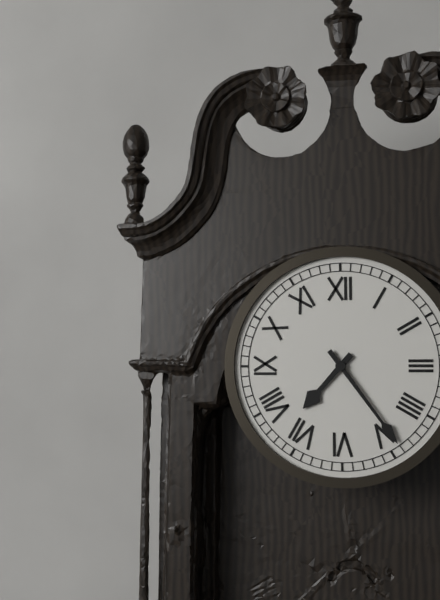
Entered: 7 h 24 min
